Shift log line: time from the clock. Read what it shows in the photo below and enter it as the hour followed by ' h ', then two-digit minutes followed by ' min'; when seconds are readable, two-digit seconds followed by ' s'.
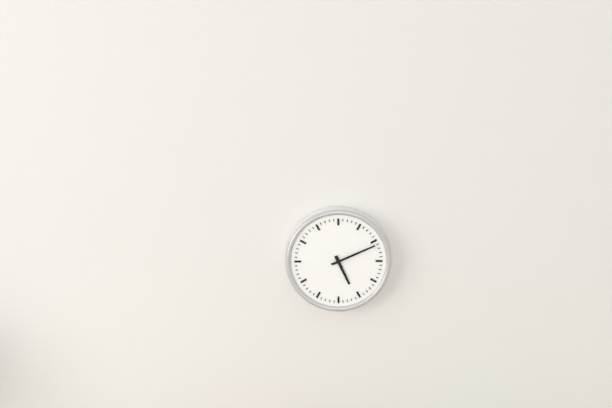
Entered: 5 h 11 min
